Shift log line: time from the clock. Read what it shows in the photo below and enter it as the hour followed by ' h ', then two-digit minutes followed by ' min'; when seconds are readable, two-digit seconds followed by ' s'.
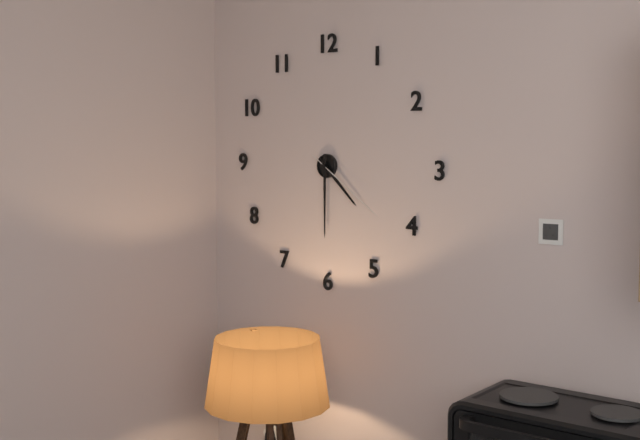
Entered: 4 h 30 min 21 s
